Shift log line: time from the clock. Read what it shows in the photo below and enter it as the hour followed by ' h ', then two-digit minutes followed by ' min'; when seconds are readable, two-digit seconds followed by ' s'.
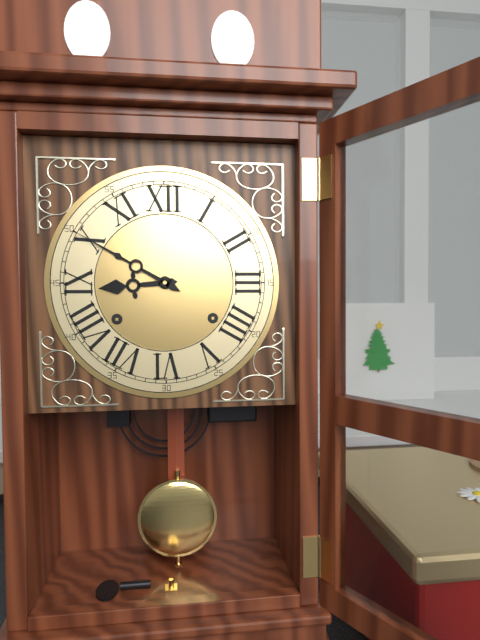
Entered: 8 h 50 min
